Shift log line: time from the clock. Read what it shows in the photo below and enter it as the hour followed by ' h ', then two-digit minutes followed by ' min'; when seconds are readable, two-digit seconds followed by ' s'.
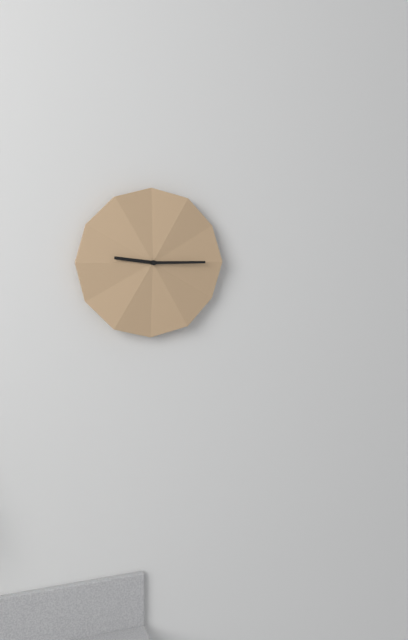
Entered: 9 h 15 min
